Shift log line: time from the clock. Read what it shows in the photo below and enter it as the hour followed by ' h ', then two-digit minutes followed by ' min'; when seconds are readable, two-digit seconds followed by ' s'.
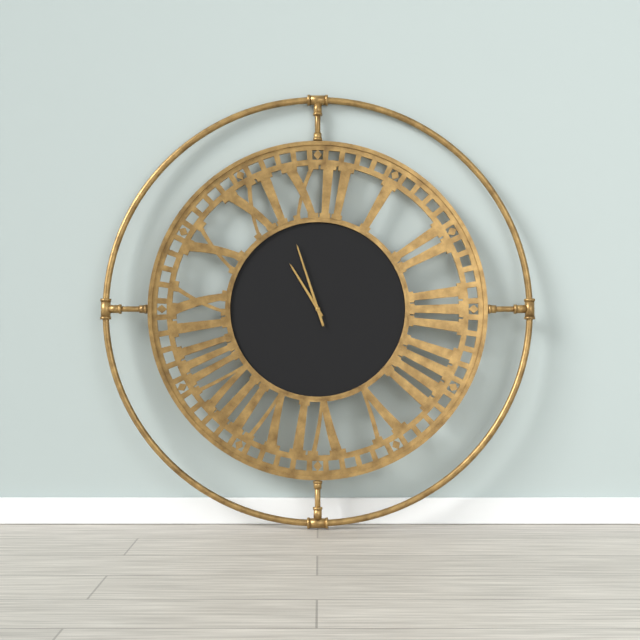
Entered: 10 h 57 min
